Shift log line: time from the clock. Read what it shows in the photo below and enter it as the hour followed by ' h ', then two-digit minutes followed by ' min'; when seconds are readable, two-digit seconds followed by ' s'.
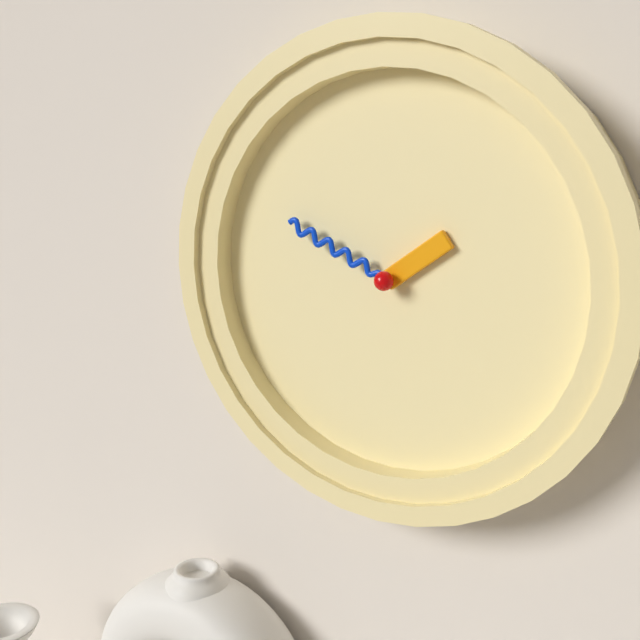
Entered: 1 h 49 min
